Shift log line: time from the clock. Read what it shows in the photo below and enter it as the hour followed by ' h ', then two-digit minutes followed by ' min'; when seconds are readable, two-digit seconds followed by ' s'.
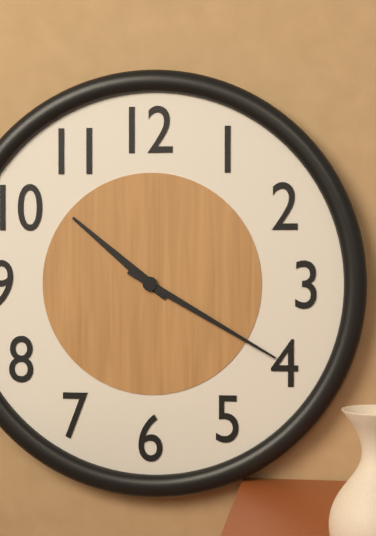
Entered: 10 h 20 min
